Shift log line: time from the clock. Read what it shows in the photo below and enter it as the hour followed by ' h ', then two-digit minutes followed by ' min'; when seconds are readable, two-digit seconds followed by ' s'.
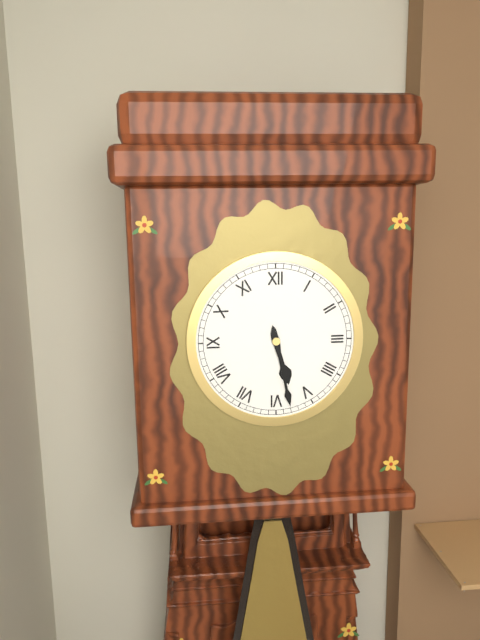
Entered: 5 h 28 min
